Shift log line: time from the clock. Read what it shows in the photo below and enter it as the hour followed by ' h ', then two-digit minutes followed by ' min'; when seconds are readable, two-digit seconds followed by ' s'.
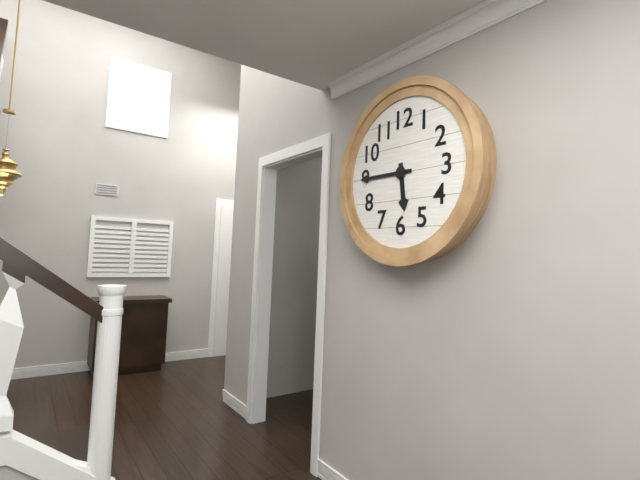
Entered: 5 h 45 min
